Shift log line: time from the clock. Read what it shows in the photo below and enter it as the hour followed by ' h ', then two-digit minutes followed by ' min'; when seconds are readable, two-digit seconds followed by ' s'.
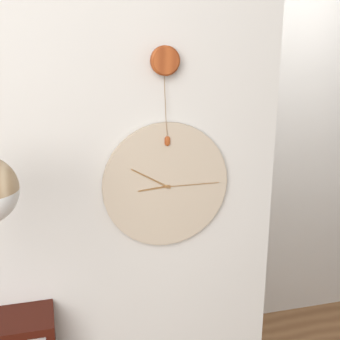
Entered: 8 h 50 min 15 s
